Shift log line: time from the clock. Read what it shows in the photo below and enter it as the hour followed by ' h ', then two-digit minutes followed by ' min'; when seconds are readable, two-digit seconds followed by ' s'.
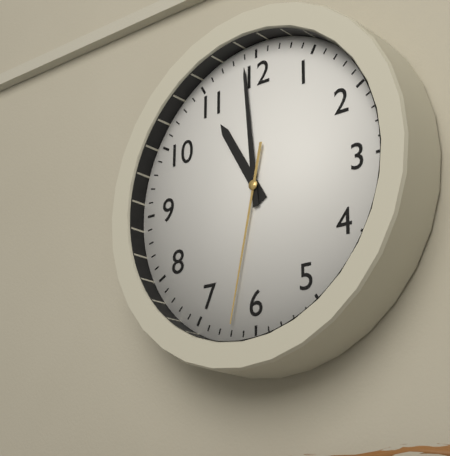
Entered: 10 h 59 min 32 s
